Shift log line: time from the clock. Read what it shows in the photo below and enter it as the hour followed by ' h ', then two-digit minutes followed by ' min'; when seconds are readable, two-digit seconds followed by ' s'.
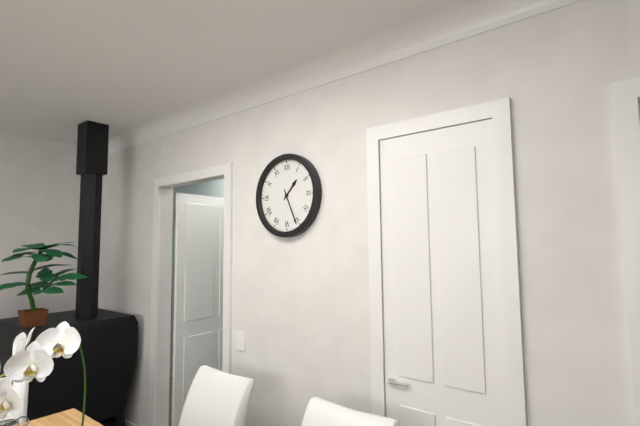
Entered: 1 h 26 min
